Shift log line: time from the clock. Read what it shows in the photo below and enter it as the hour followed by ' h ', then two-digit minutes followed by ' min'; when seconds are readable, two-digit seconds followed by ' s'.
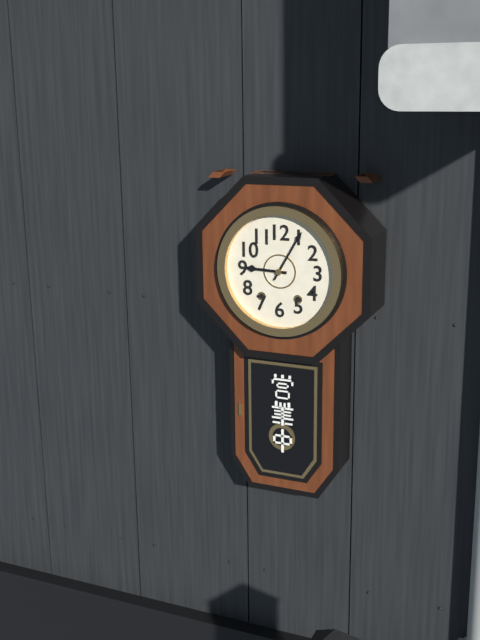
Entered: 9 h 05 min
